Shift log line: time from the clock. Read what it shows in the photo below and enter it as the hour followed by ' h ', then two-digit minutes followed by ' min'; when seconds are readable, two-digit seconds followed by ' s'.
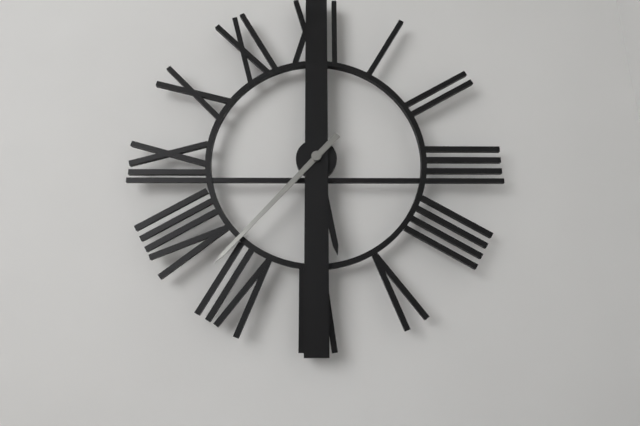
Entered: 5 h 37 min
